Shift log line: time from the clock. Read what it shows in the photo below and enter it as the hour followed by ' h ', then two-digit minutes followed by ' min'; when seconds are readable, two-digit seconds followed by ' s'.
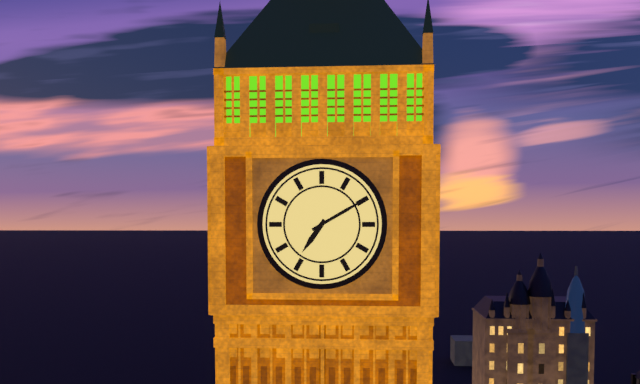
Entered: 7 h 10 min
